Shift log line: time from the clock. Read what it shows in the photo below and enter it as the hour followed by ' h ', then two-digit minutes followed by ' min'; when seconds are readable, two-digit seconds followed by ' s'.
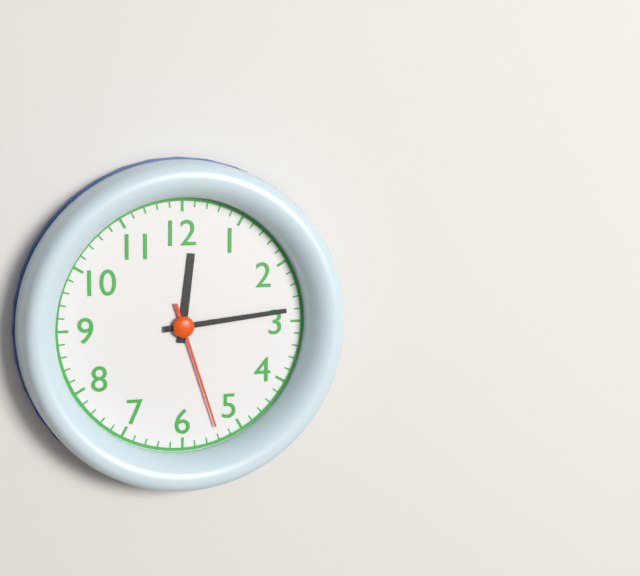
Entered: 12 h 14 min 27 s
